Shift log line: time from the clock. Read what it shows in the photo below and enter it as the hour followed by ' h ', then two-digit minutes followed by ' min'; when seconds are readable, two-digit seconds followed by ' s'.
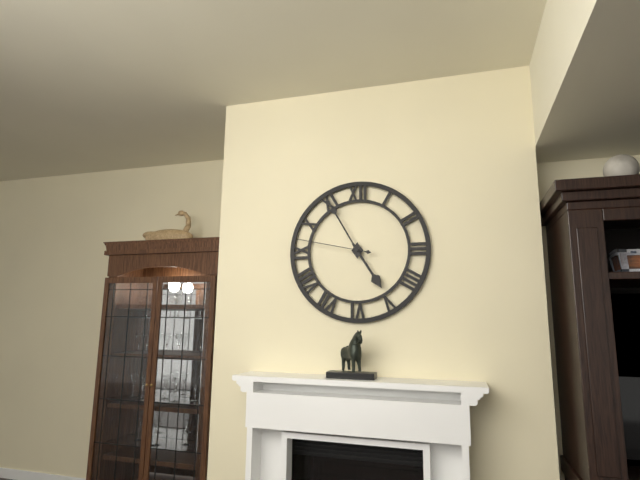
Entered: 4 h 55 min 47 s
